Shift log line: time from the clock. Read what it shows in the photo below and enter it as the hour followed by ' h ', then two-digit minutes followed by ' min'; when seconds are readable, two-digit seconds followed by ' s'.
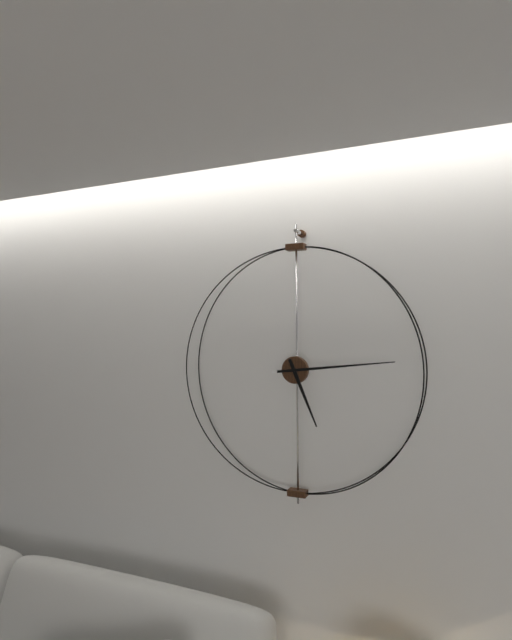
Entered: 5 h 14 min
